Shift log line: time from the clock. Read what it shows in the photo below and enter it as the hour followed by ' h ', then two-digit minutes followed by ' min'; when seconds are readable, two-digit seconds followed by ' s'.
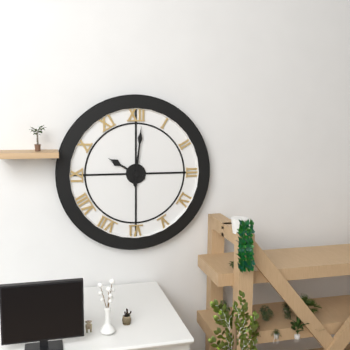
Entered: 10 h 01 min
